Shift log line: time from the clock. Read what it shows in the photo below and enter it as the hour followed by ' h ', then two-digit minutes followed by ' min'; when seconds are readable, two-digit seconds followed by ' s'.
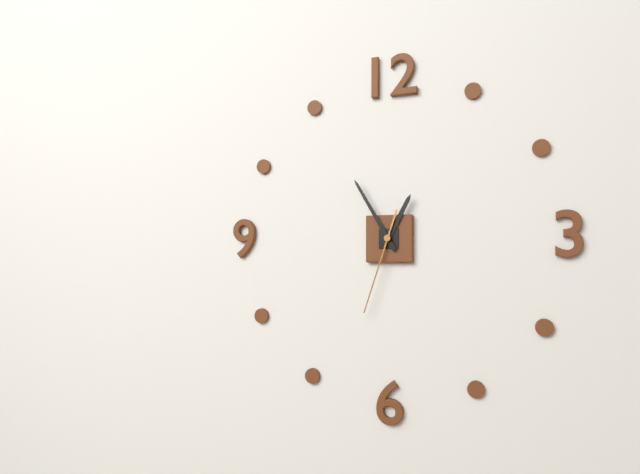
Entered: 12 h 55 min 33 s
